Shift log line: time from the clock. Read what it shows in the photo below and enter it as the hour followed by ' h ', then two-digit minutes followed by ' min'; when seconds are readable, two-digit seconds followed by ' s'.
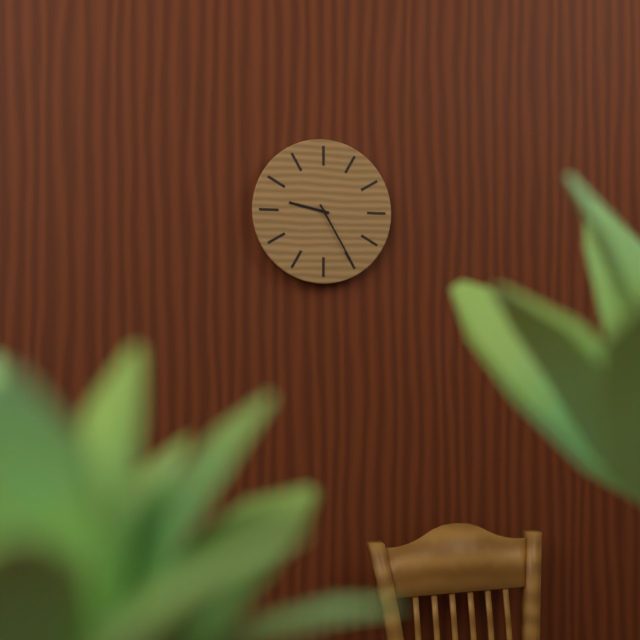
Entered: 9 h 25 min
